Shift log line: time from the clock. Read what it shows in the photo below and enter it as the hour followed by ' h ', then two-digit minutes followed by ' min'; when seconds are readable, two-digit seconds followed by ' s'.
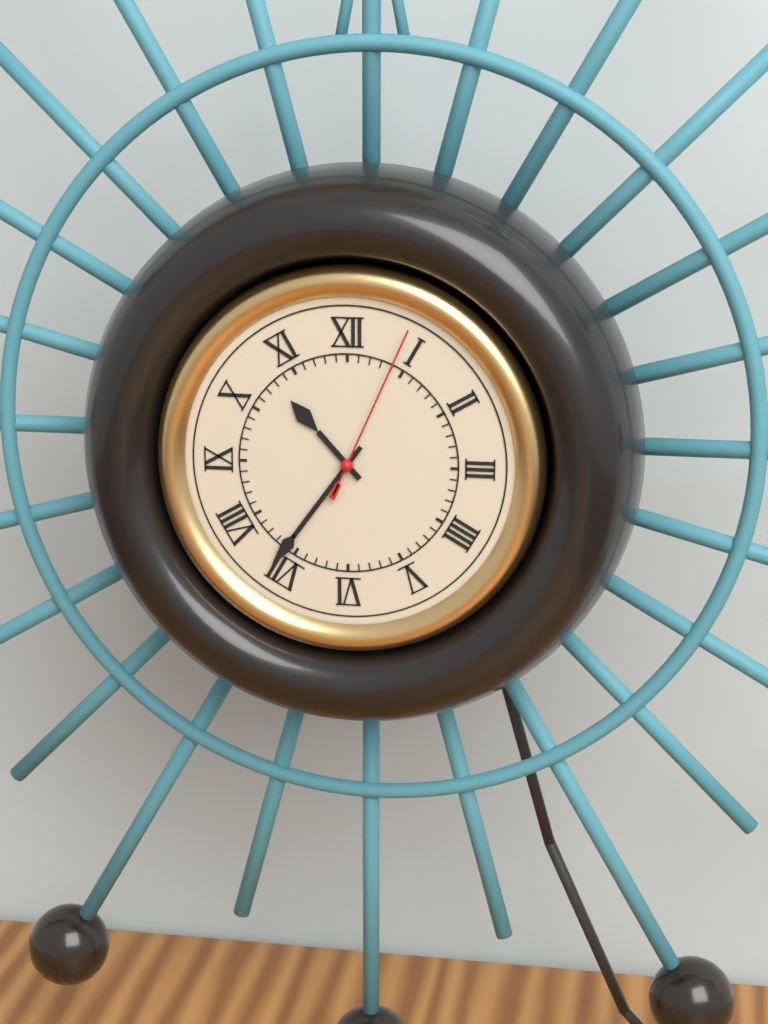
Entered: 10 h 36 min 04 s
